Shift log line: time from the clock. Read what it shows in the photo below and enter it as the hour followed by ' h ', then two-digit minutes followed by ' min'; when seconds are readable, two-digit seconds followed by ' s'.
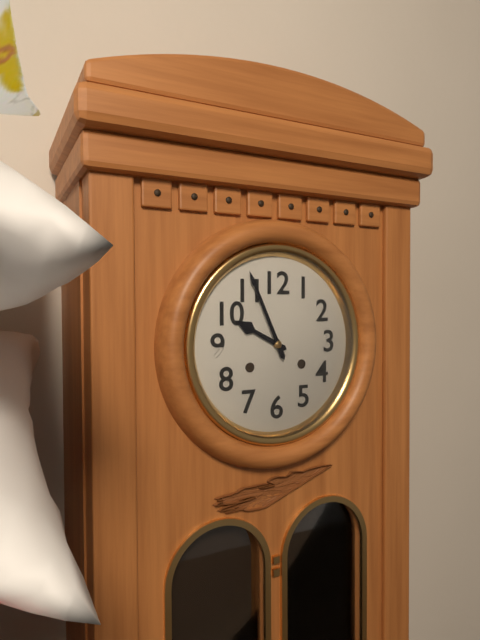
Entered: 9 h 56 min
